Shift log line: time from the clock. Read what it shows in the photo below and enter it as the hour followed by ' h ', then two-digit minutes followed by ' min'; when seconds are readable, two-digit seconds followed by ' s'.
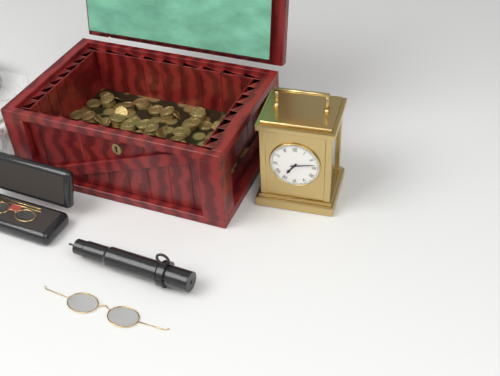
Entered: 7 h 13 min
